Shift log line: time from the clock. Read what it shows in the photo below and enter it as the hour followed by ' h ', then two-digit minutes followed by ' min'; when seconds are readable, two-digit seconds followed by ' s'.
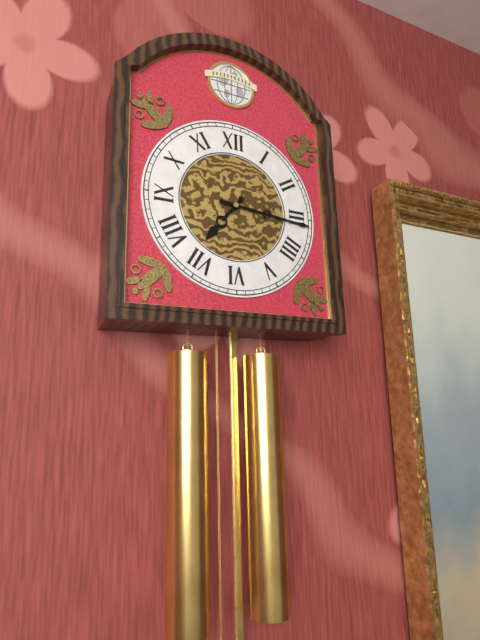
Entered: 7 h 16 min
